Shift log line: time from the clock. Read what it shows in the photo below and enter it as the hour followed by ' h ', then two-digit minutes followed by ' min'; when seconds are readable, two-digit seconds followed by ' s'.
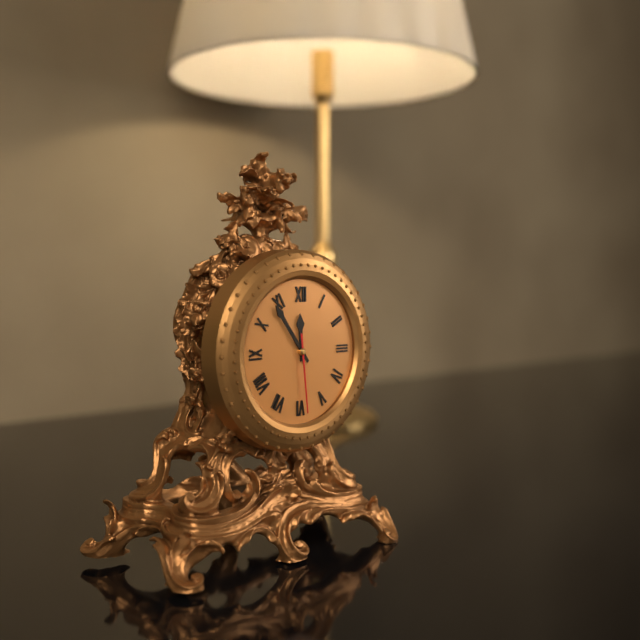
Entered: 11 h 54 min 29 s
